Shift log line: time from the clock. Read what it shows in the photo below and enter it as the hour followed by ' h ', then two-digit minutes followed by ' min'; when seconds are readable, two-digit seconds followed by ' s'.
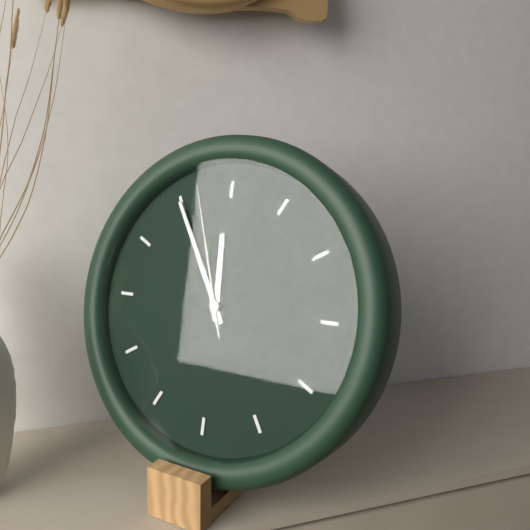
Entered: 11 h 55 min 57 s
